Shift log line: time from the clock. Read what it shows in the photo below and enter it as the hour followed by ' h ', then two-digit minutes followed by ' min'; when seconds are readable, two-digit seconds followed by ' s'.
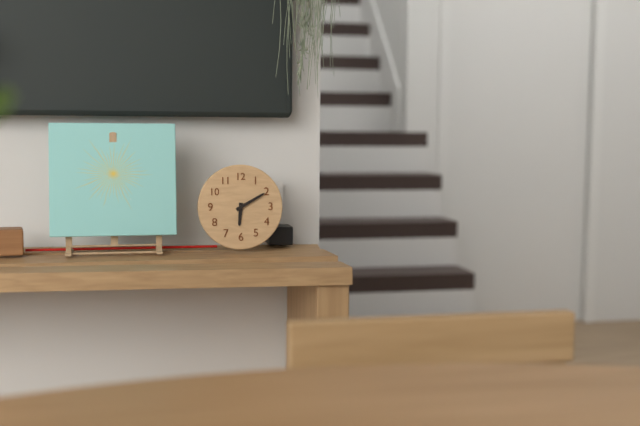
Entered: 6 h 10 min
